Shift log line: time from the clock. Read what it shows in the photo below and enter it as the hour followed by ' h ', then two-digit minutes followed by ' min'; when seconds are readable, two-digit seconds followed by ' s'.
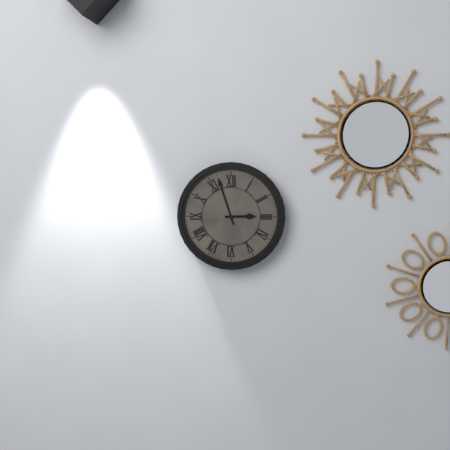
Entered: 2 h 57 min
